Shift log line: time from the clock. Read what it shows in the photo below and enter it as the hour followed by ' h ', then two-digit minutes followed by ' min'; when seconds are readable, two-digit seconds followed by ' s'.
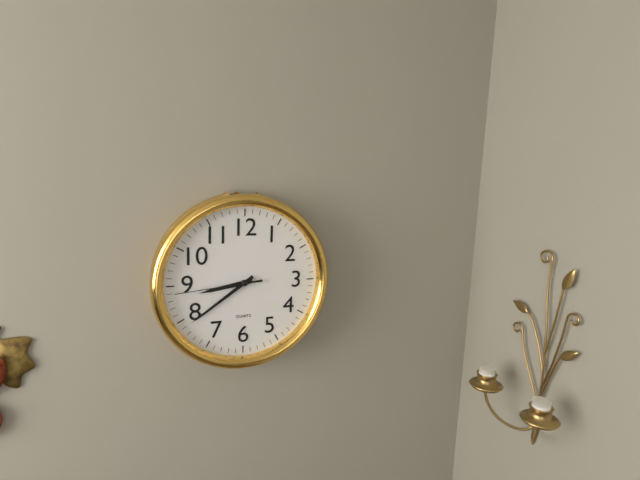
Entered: 8 h 39 min 44 s
